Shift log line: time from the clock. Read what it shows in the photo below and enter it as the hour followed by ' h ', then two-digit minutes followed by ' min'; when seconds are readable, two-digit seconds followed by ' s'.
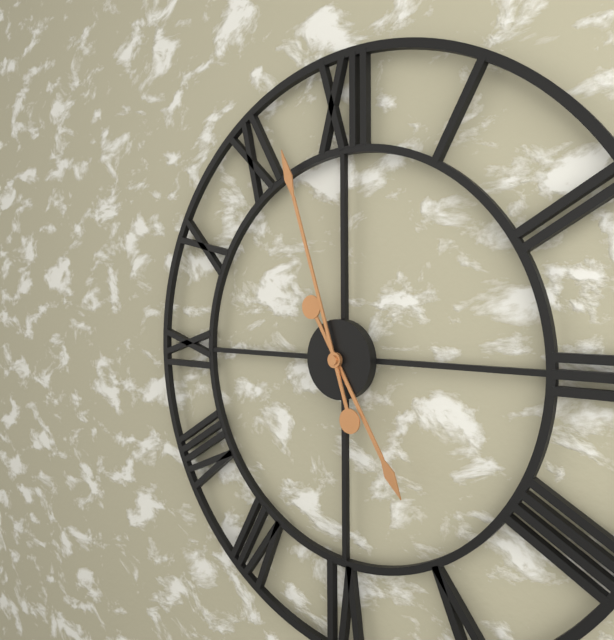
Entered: 4 h 57 min
